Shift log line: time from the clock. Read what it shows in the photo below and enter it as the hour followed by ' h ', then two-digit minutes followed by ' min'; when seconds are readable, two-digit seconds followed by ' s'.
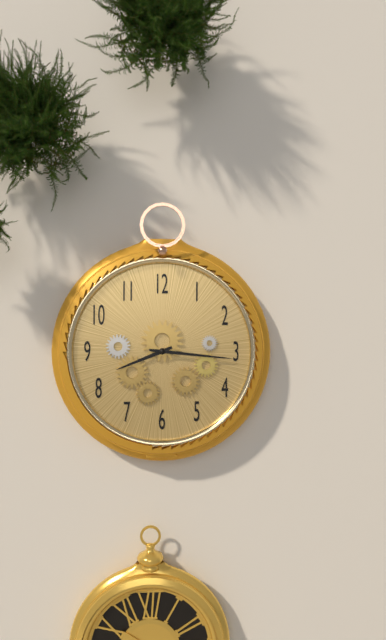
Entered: 8 h 16 min
